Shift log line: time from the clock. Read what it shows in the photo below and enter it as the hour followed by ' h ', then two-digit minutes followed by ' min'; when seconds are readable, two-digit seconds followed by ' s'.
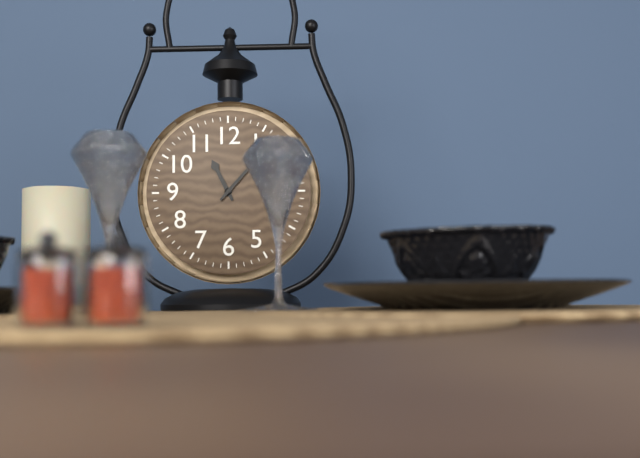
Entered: 11 h 07 min
